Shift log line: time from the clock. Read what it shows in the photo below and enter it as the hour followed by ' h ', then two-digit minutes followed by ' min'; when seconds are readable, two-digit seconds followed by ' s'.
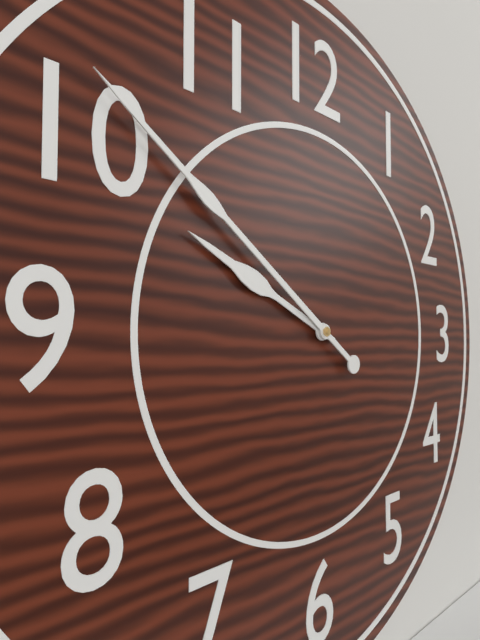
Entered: 9 h 51 min
